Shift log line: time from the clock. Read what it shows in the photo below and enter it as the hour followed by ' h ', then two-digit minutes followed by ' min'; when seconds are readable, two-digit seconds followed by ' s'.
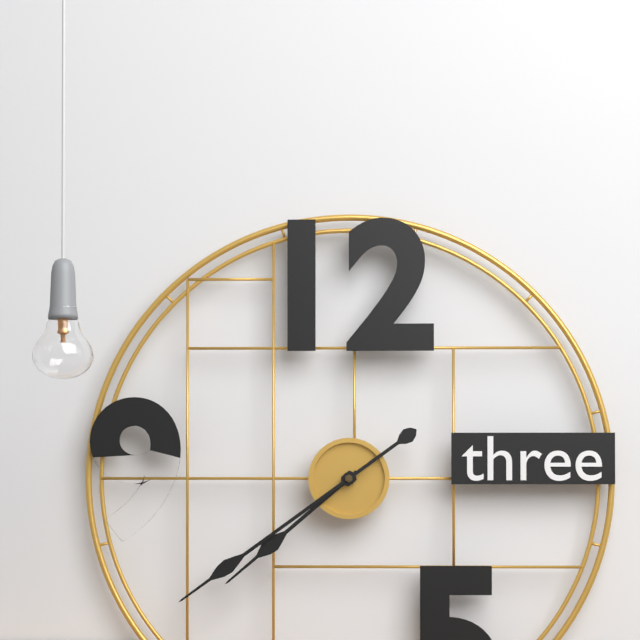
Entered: 7 h 39 min
